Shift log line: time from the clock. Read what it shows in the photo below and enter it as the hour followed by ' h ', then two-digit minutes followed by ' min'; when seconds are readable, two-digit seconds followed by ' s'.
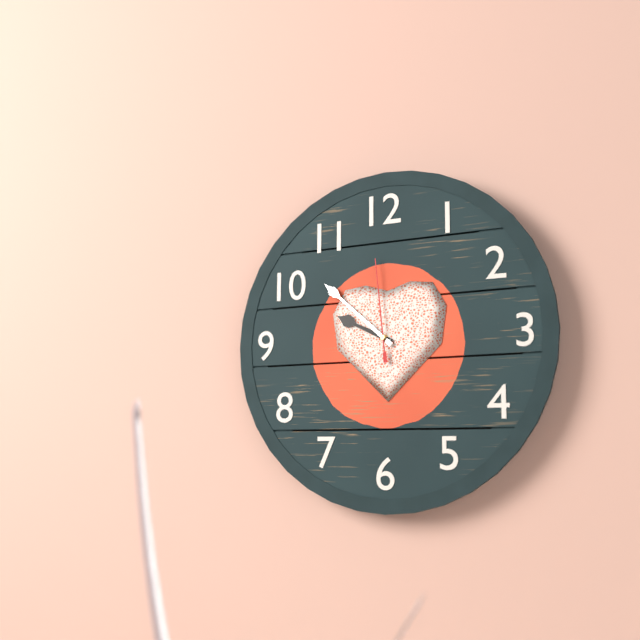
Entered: 9 h 52 min 59 s
